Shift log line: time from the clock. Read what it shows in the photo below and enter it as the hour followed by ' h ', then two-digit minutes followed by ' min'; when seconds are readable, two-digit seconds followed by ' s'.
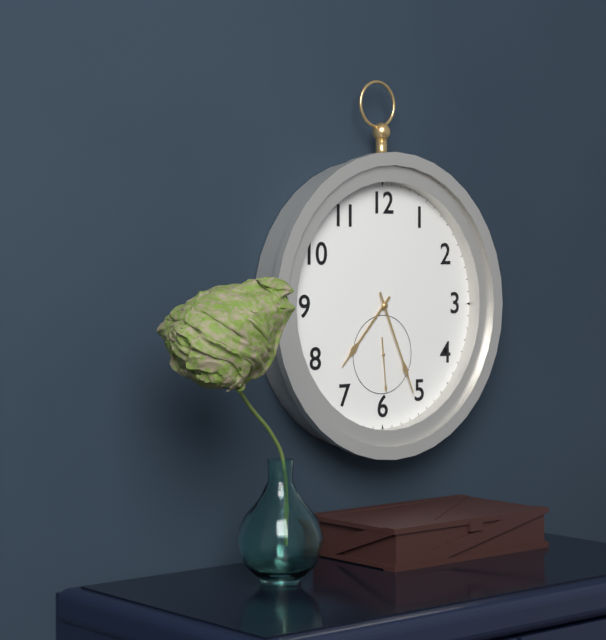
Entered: 7 h 26 min
